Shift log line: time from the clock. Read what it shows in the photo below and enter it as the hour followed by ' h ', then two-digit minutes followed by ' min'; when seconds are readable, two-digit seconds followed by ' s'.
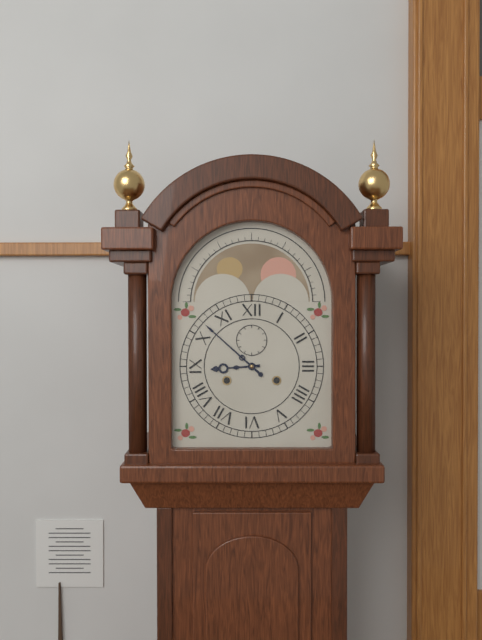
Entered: 8 h 52 min
